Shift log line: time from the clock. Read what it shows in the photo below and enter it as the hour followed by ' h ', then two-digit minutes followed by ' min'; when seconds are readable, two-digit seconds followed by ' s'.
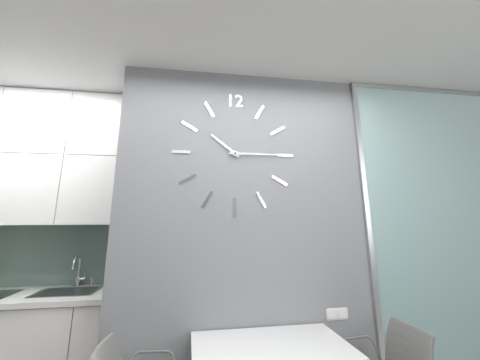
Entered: 10 h 15 min
